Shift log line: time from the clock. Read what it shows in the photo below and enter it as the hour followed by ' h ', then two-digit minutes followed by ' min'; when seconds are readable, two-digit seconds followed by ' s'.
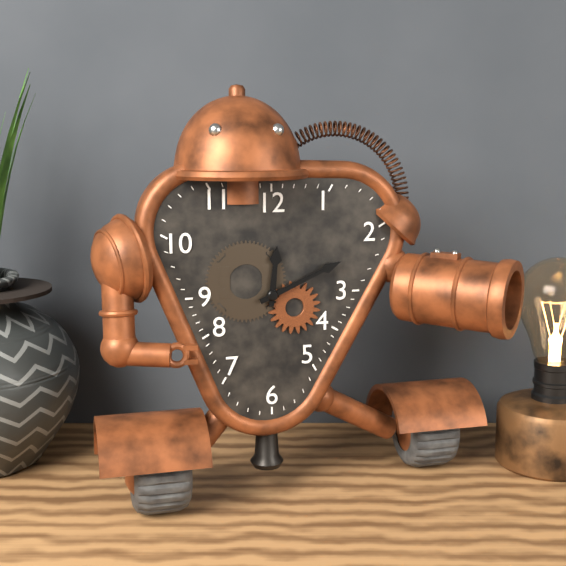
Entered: 12 h 11 min
